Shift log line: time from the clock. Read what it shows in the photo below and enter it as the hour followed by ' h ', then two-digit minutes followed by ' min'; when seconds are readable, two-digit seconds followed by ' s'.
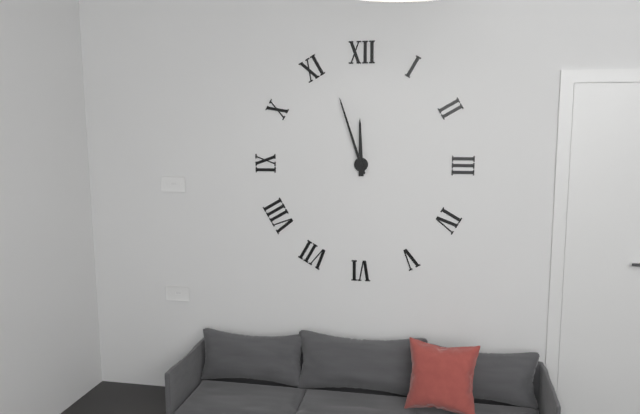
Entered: 11 h 57 min
